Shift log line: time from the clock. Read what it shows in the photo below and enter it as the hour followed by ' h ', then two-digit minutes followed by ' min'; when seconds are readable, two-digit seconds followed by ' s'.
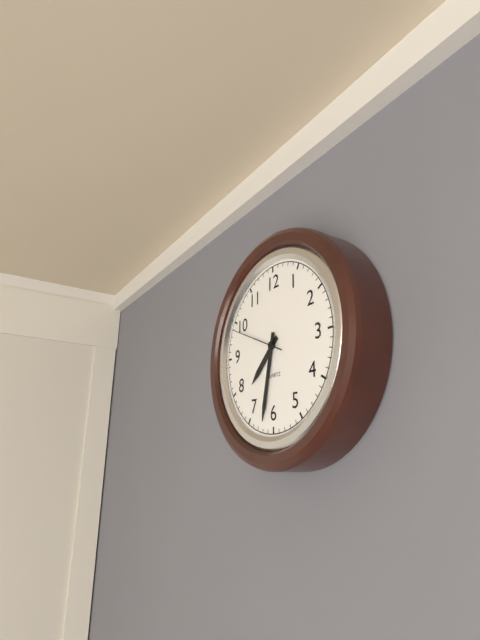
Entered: 7 h 32 min 49 s
